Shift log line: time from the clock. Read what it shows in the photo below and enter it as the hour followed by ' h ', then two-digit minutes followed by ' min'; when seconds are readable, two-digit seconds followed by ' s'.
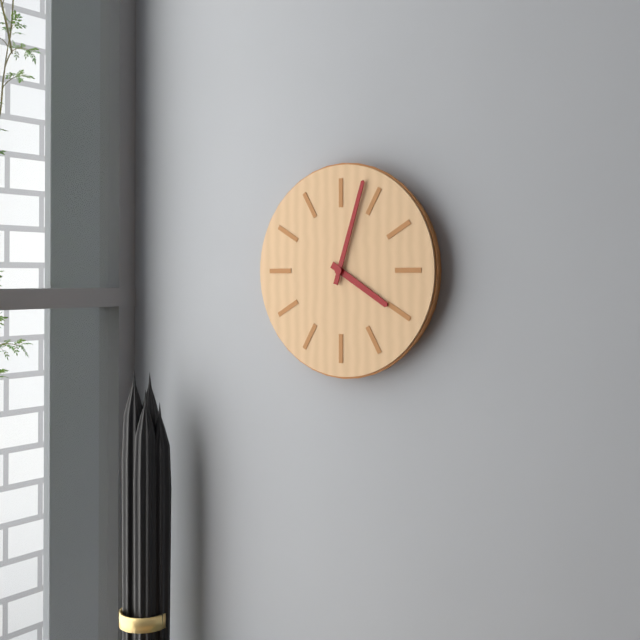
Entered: 4 h 03 min
